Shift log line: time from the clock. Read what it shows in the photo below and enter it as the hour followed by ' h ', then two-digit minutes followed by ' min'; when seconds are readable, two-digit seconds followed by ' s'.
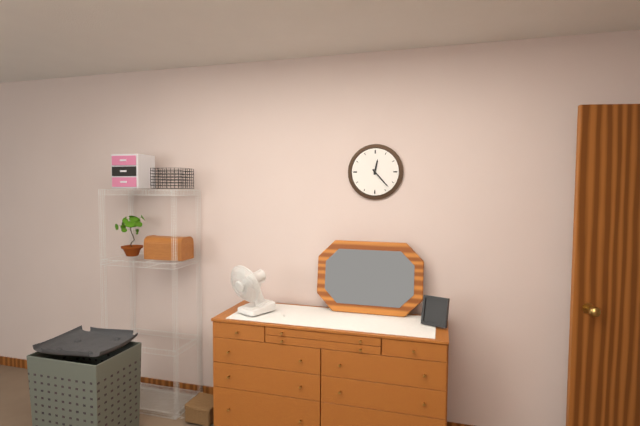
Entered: 12 h 23 min
